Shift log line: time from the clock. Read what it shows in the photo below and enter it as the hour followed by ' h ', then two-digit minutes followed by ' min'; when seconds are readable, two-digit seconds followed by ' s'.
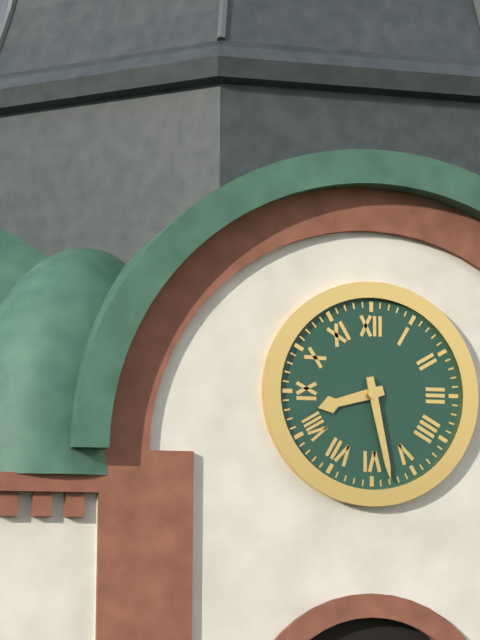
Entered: 8 h 28 min
